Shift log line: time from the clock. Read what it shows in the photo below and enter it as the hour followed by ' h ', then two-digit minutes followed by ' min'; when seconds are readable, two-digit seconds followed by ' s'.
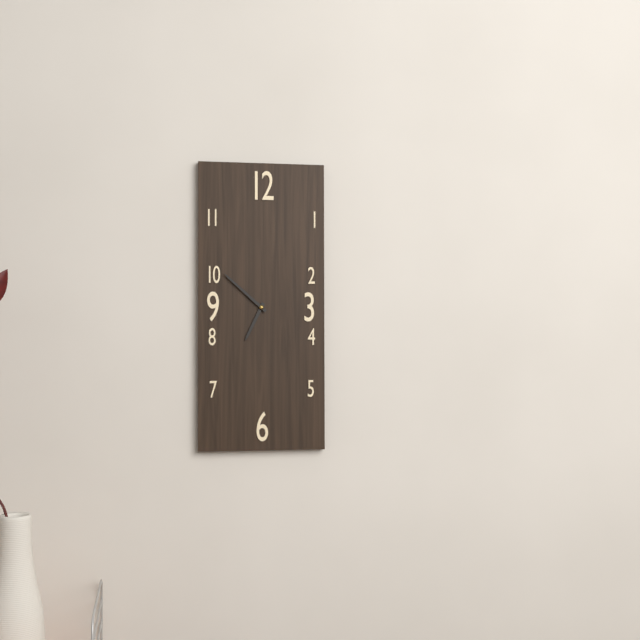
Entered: 6 h 52 min
